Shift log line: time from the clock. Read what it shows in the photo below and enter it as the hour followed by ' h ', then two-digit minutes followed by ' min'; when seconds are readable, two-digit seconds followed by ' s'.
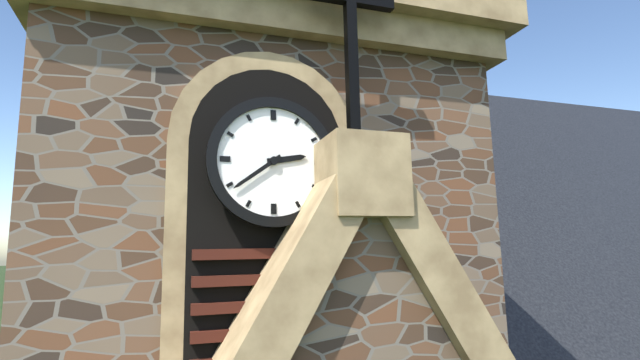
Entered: 2 h 39 min
